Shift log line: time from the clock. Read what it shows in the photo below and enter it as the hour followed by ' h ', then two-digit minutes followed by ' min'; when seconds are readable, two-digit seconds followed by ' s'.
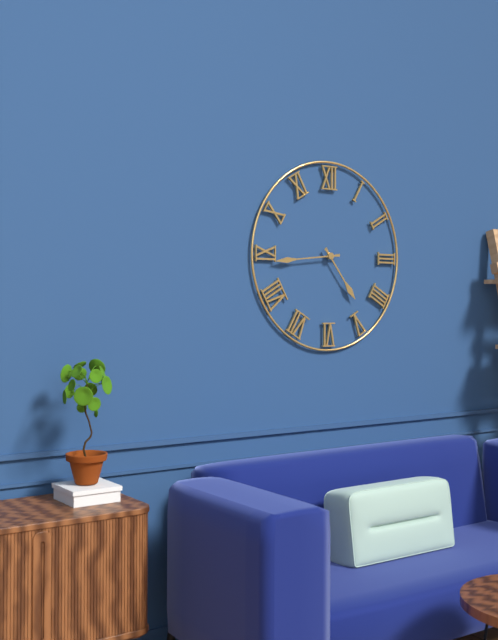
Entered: 4 h 44 min
